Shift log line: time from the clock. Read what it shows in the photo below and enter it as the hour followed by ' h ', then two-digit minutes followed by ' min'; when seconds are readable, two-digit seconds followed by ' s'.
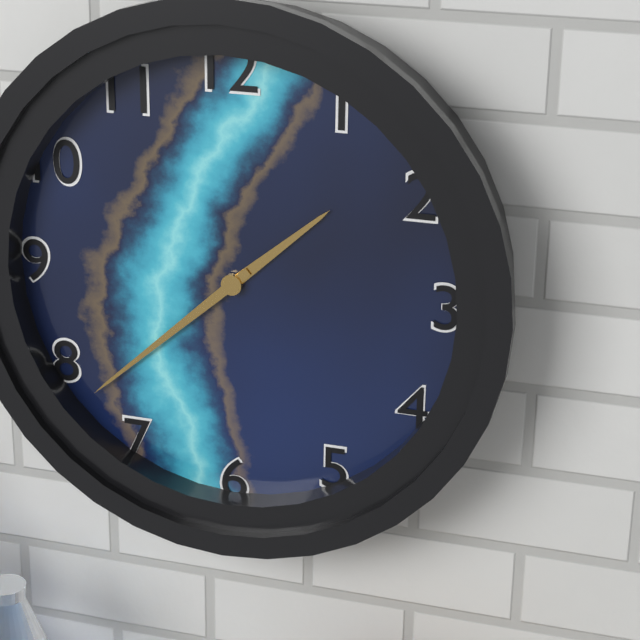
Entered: 1 h 38 min
